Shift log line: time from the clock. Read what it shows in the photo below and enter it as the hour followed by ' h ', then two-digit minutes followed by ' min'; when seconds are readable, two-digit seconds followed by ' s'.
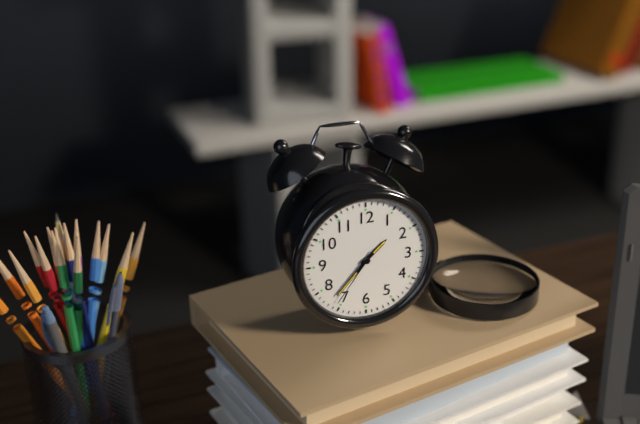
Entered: 1 h 37 min 36 s
